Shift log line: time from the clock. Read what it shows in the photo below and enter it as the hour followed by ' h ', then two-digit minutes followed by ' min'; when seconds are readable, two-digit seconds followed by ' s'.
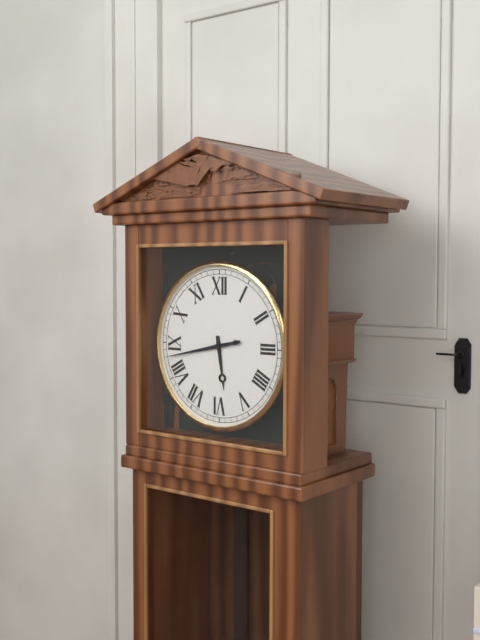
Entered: 5 h 43 min
